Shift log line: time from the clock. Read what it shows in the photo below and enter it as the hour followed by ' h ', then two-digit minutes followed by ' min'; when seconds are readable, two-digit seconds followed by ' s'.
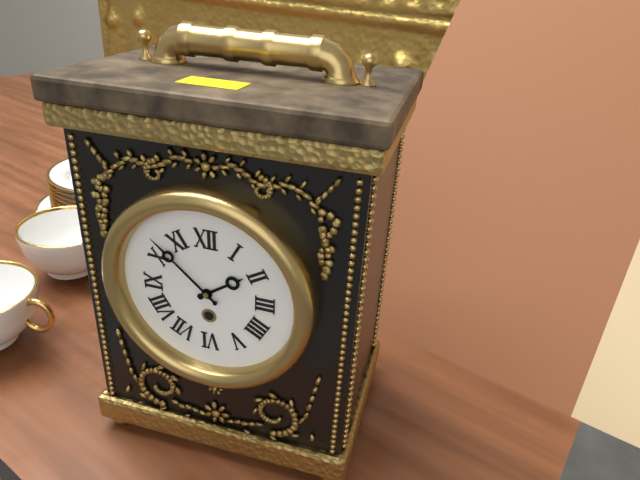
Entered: 1 h 52 min
